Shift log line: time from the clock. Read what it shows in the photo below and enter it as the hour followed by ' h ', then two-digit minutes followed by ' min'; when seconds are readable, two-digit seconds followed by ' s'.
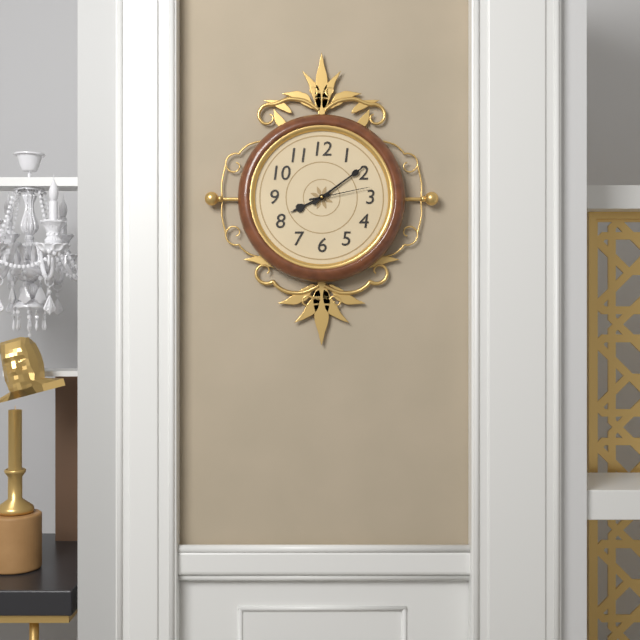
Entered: 8 h 09 min 13 s
